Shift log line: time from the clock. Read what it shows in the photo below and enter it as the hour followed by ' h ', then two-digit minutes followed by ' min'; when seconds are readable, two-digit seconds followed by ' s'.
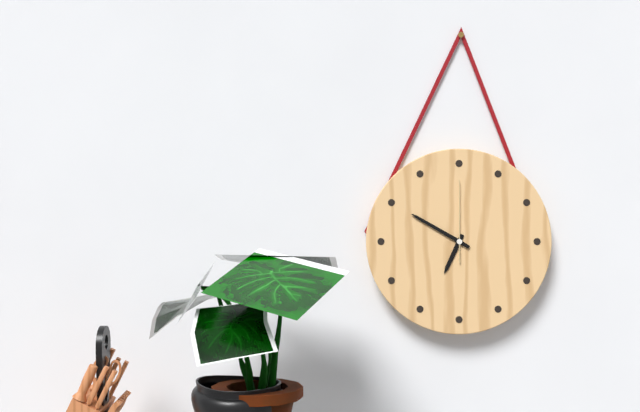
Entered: 6 h 50 min 00 s
